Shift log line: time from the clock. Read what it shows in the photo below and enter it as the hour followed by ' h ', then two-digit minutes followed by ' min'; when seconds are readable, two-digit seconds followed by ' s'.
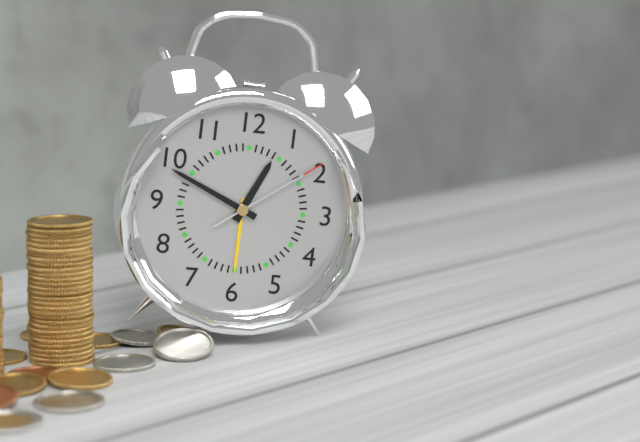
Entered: 12 h 49 min 09 s
